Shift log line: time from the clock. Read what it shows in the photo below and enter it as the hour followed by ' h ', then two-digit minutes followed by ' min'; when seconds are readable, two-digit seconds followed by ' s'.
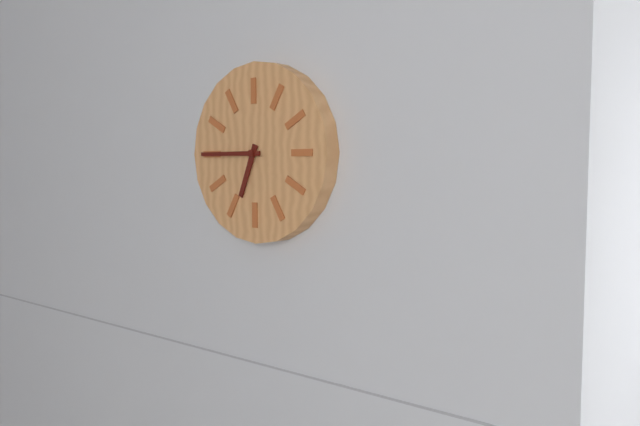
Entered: 6 h 45 min
